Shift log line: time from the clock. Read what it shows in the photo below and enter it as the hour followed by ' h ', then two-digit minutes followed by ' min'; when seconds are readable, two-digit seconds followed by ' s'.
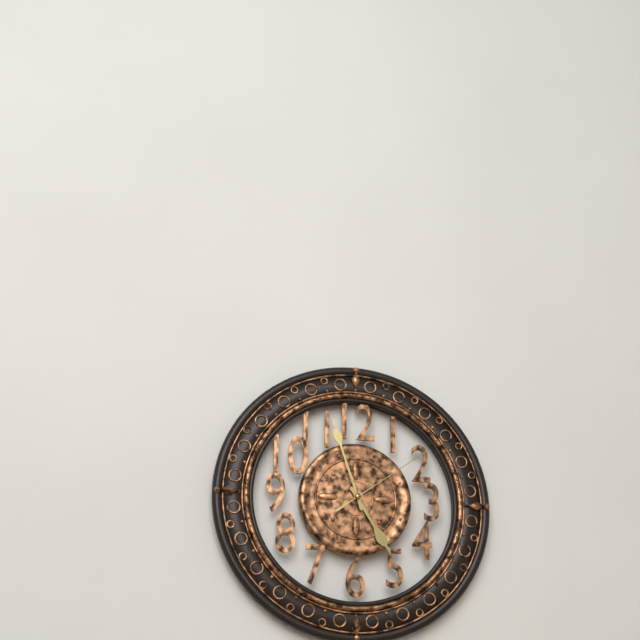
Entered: 4 h 57 min 09 s
